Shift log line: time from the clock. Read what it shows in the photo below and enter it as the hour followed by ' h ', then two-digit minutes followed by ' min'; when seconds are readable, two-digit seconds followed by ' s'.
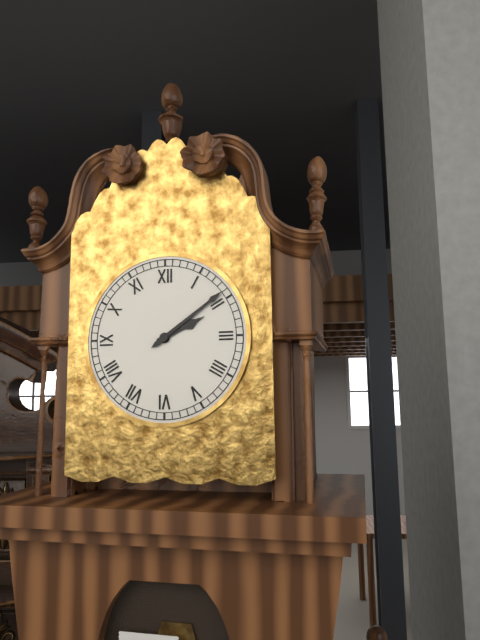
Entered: 2 h 09 min
